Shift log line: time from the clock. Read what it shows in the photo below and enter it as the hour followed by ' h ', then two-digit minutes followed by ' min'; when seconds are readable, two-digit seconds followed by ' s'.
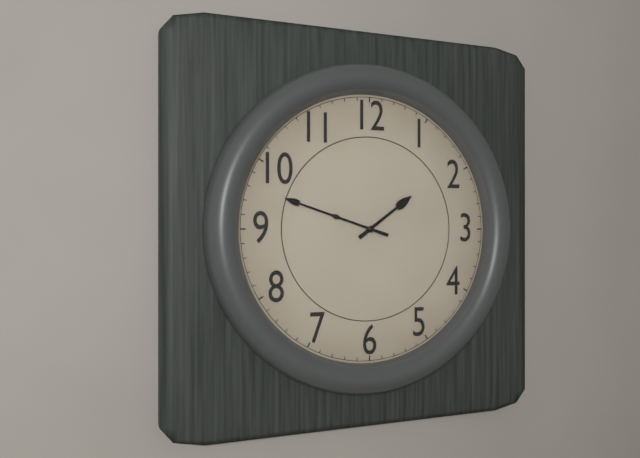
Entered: 1 h 48 min
